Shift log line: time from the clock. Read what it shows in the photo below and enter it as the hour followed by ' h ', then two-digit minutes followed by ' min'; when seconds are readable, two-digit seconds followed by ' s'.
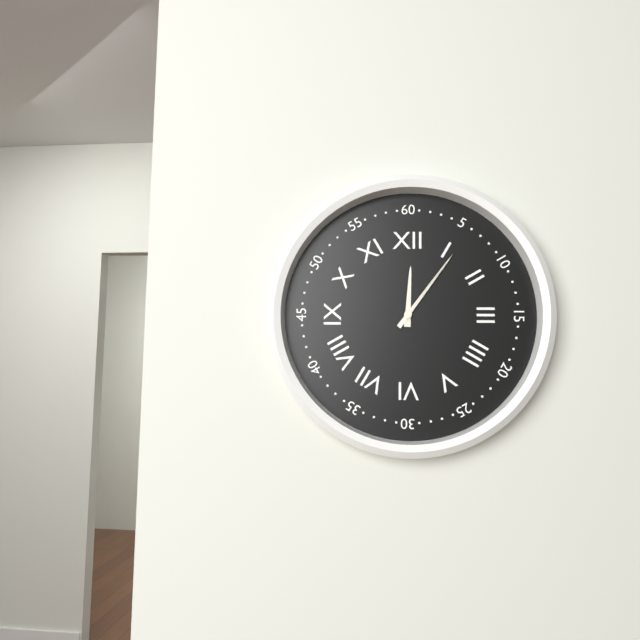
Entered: 12 h 06 min
